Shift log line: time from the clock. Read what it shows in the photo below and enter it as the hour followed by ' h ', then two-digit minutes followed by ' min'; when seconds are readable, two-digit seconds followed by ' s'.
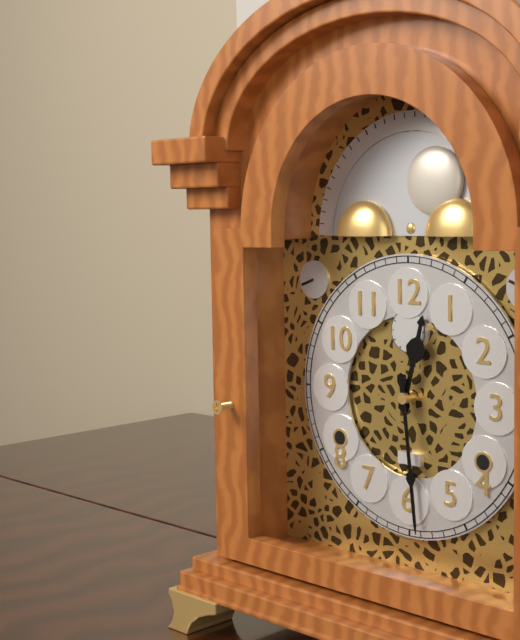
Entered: 12 h 29 min
